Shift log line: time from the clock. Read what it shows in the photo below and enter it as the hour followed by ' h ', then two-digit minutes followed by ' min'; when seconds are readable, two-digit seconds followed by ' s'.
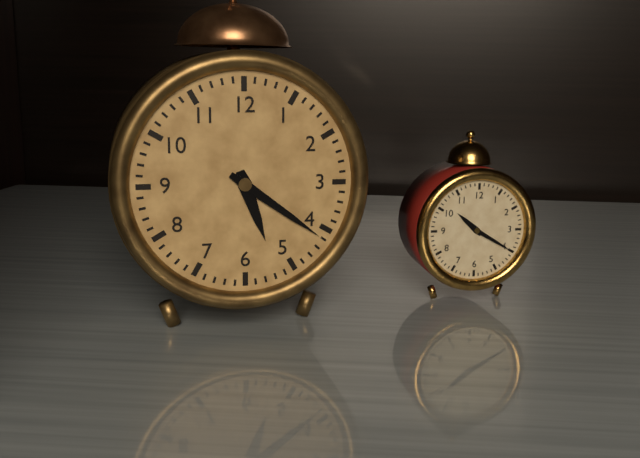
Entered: 5 h 21 min
